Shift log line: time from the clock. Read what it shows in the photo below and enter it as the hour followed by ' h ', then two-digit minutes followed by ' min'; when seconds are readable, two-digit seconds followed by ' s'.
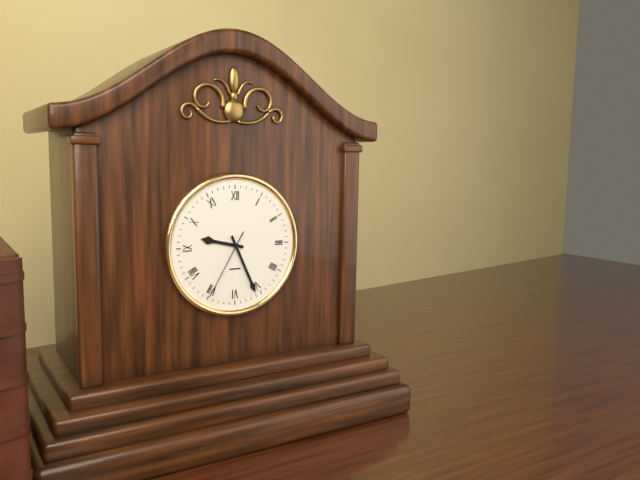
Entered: 9 h 26 min 35 s
